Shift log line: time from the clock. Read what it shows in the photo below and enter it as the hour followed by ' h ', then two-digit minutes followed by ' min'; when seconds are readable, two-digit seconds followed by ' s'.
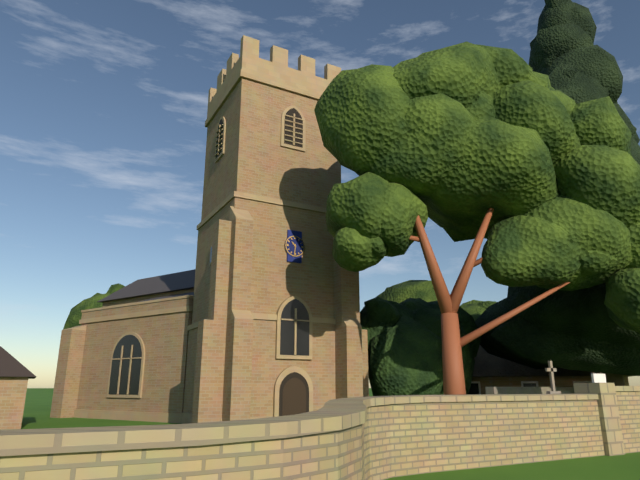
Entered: 10 h 31 min
